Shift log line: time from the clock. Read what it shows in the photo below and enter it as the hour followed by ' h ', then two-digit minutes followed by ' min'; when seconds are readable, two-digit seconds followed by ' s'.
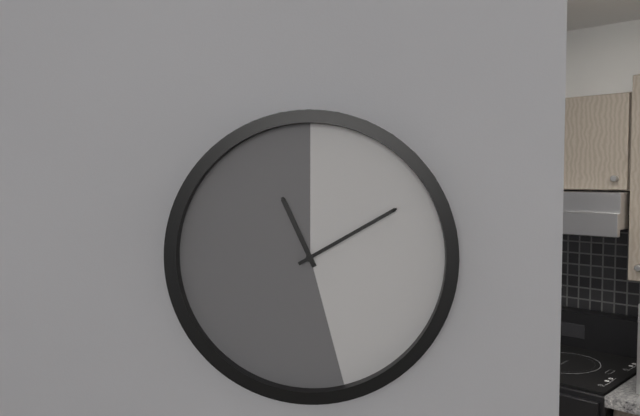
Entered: 11 h 10 min
